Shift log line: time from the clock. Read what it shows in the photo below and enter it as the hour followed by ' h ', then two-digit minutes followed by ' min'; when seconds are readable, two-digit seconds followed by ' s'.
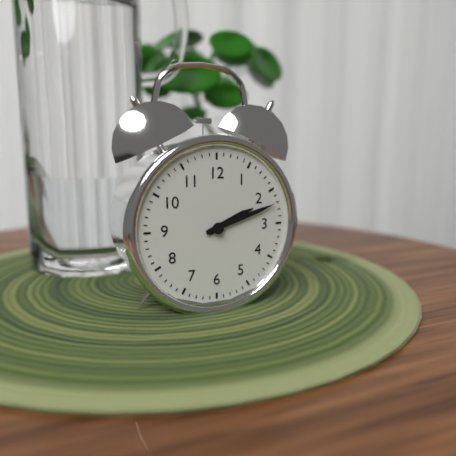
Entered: 2 h 12 min
